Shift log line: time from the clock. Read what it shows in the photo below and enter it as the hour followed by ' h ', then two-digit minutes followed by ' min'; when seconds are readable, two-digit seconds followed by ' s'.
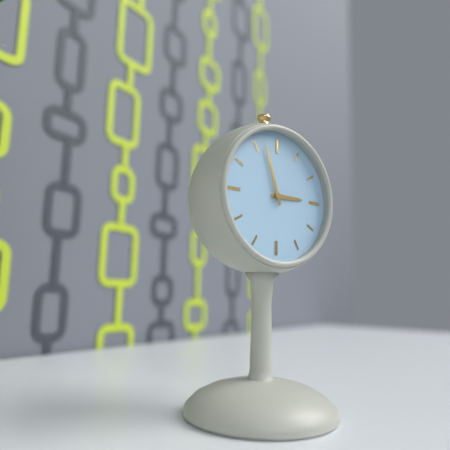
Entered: 2 h 57 min
